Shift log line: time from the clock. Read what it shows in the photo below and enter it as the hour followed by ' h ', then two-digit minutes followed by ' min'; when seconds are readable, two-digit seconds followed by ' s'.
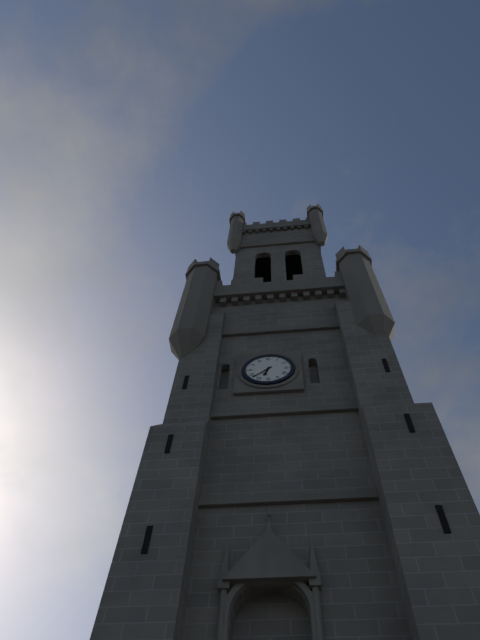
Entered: 6 h 38 min
